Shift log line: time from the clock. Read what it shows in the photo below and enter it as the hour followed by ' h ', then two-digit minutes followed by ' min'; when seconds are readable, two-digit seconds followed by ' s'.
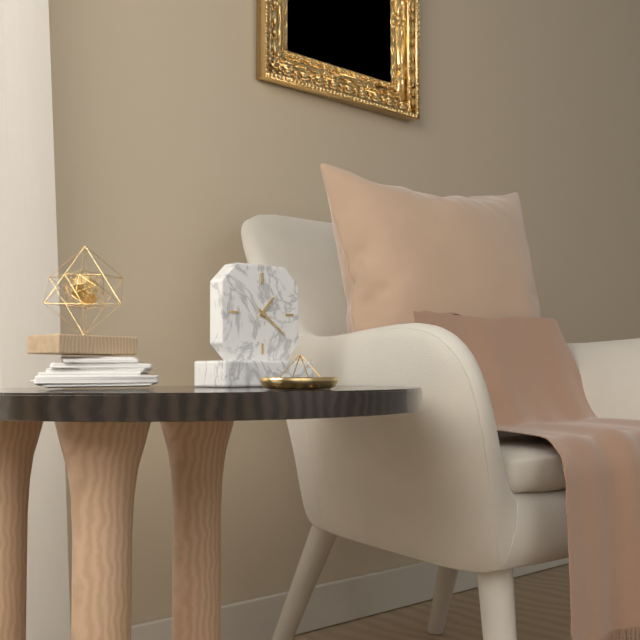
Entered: 1 h 21 min
